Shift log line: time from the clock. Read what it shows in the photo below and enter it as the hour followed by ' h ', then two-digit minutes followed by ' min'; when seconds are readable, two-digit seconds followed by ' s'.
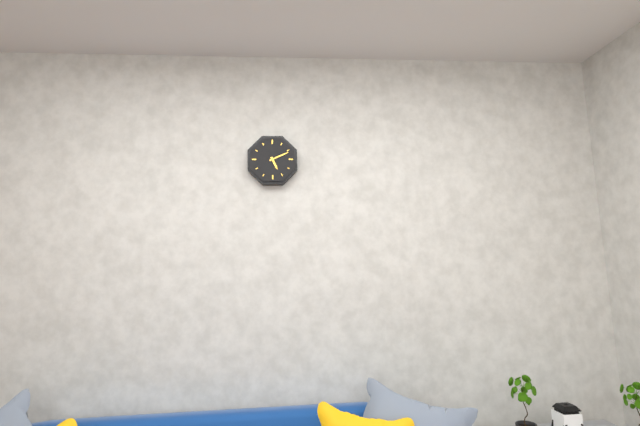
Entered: 5 h 11 min
